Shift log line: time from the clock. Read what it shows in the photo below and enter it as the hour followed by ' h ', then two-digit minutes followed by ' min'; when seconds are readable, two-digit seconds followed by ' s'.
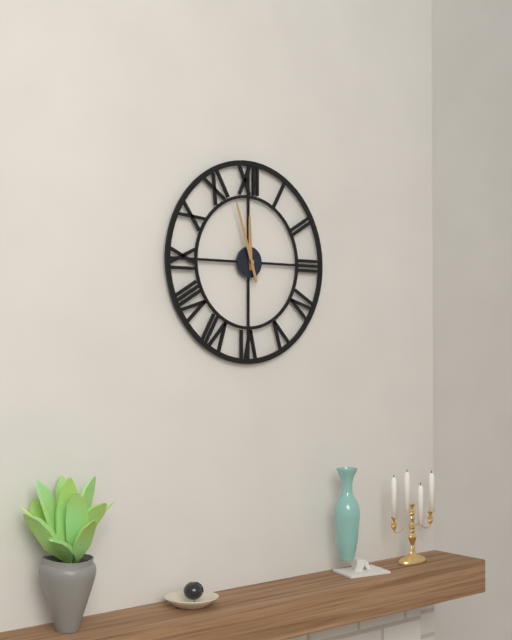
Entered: 11 h 57 min
